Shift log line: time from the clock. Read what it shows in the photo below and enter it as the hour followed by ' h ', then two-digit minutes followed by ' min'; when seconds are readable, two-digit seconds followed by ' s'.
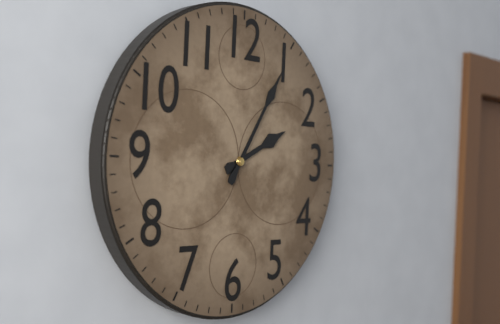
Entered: 2 h 05 min
